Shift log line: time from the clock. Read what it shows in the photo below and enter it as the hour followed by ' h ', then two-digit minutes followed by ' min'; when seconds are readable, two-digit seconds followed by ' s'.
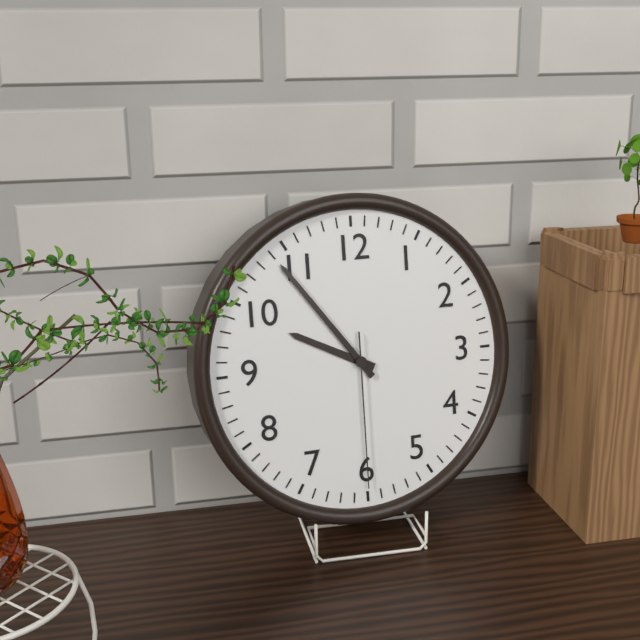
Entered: 9 h 54 min 30 s
